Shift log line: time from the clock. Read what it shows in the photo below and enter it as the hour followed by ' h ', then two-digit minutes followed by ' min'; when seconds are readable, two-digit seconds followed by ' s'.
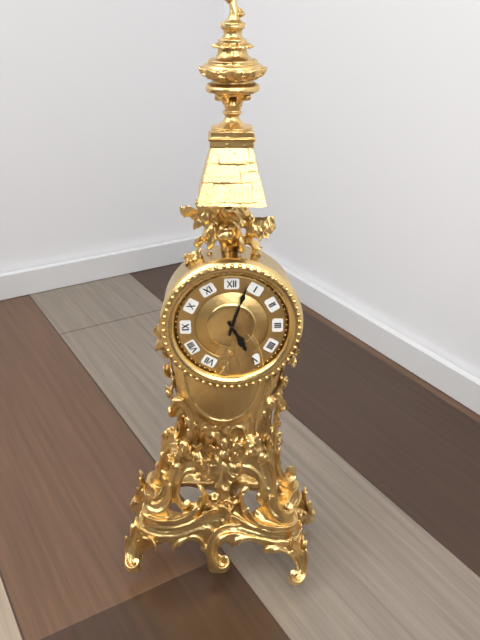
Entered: 5 h 03 min
